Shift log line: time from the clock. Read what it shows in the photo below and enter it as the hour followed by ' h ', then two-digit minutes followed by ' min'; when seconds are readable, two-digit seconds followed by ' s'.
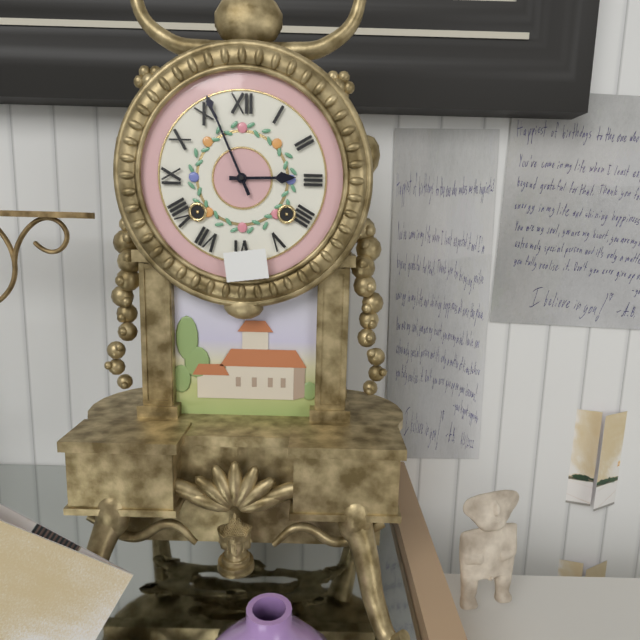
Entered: 2 h 56 min
